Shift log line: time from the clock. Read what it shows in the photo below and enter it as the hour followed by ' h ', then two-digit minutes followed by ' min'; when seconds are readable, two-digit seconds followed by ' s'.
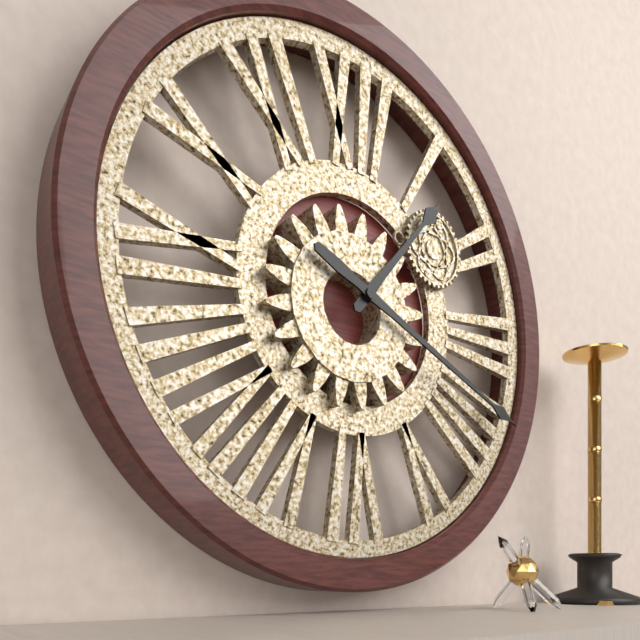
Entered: 1 h 19 min
